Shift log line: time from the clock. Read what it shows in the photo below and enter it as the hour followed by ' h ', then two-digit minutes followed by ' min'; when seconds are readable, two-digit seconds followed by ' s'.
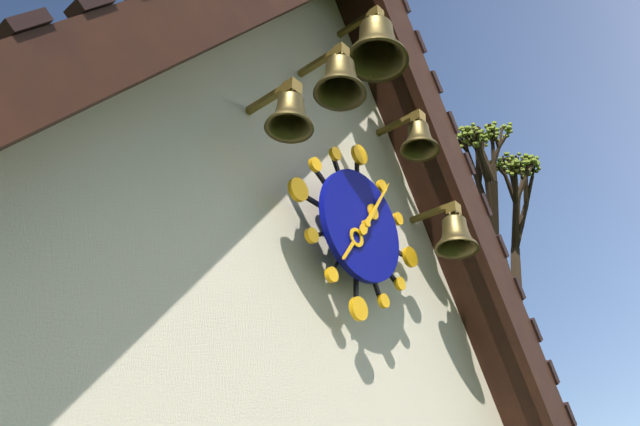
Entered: 7 h 05 min
